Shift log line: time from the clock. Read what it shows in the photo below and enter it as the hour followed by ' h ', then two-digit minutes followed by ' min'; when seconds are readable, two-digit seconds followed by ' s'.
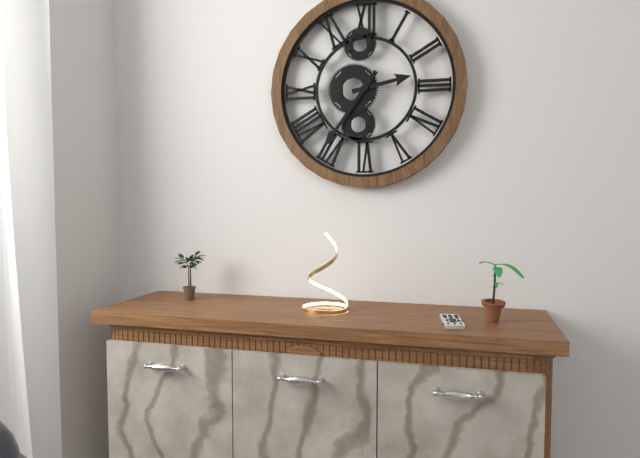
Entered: 2 h 36 min
